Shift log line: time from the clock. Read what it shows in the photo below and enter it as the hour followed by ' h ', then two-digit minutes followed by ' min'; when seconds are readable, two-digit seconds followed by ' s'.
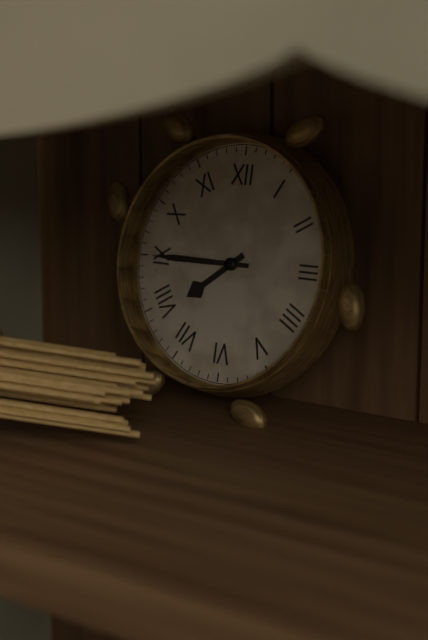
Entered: 7 h 45 min
